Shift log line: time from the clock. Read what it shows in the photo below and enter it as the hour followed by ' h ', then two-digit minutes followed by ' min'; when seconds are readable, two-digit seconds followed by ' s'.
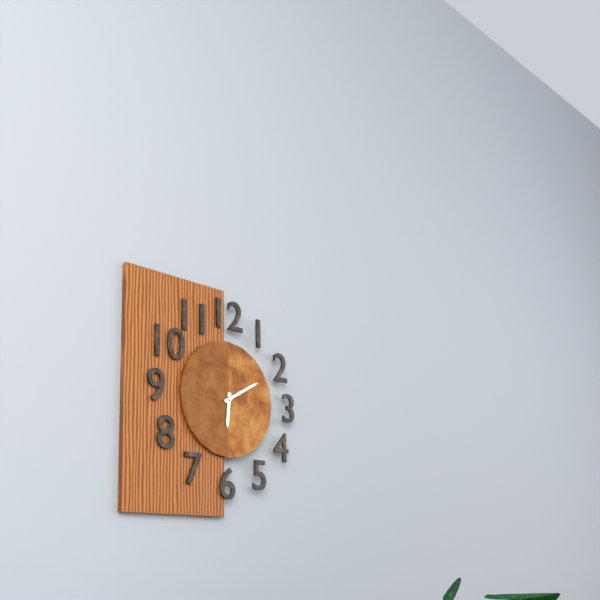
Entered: 6 h 10 min
